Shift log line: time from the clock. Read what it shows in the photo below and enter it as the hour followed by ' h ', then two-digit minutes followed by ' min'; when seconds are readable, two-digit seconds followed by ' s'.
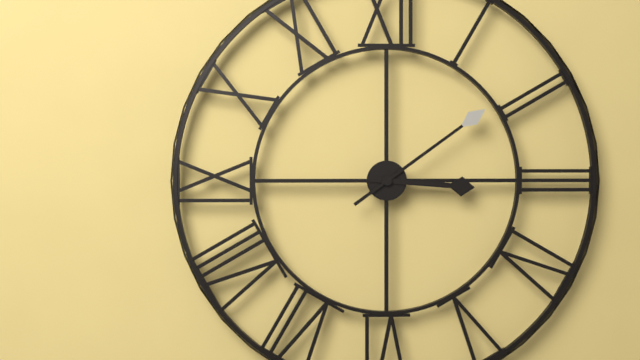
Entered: 3 h 09 min
